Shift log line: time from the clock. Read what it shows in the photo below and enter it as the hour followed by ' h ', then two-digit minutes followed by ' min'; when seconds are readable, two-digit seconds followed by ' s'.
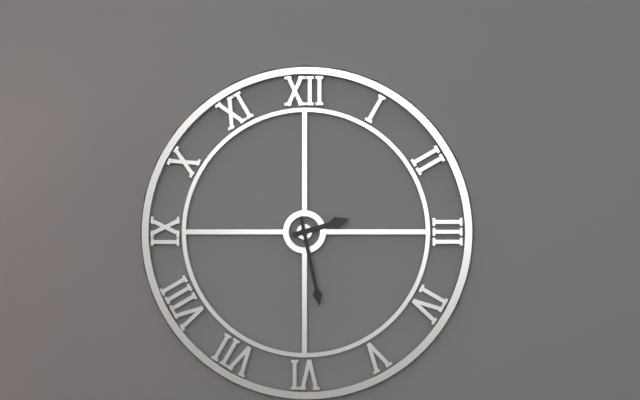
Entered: 2 h 28 min
